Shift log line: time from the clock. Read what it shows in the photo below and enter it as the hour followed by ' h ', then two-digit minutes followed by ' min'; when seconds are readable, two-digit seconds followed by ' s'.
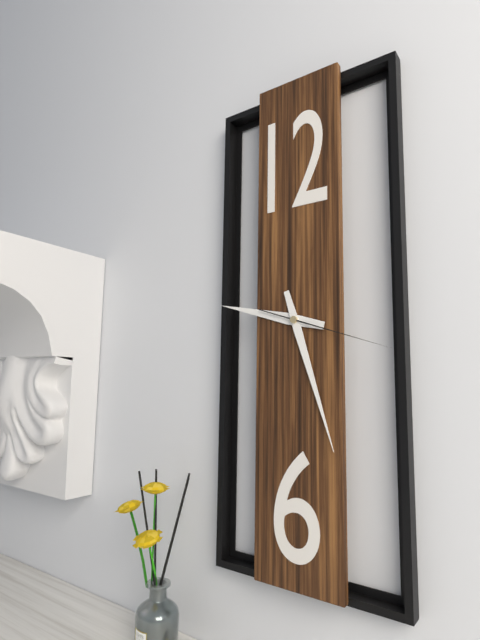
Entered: 9 h 27 min 18 s
